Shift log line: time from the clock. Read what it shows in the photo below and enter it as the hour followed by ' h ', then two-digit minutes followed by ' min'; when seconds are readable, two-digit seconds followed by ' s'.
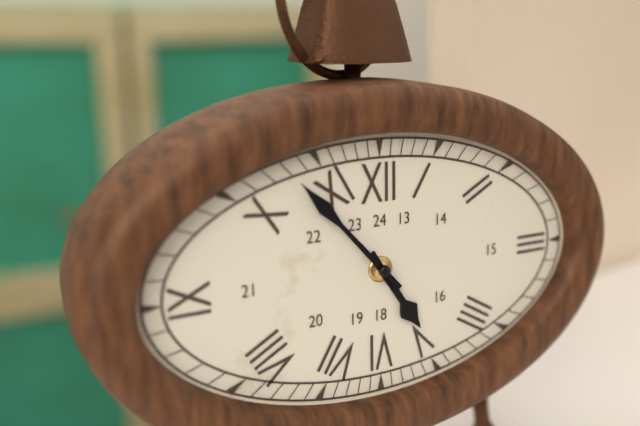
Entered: 4 h 53 min
